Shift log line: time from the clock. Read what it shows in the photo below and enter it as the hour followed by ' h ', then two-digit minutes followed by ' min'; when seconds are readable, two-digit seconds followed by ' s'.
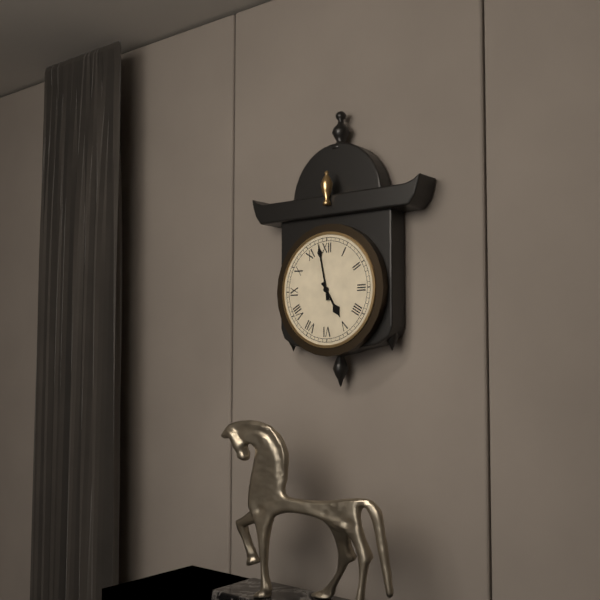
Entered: 4 h 58 min
